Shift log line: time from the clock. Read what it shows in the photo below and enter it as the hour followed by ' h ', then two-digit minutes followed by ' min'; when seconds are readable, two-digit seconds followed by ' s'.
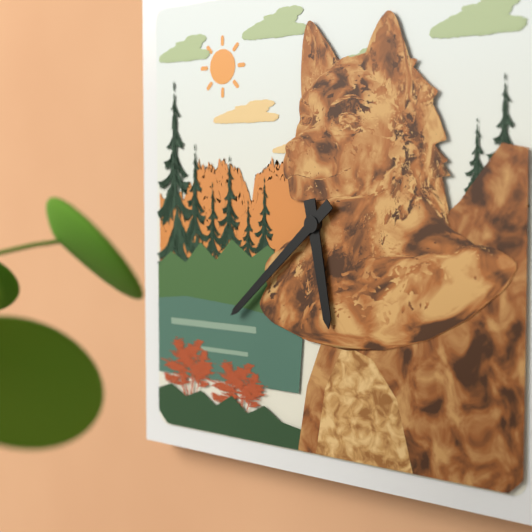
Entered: 5 h 38 min
